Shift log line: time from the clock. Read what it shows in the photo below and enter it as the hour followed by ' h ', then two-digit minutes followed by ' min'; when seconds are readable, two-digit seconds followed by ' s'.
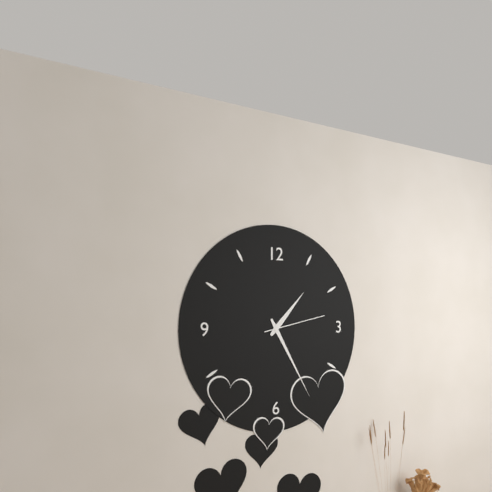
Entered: 1 h 25 min 13 s
